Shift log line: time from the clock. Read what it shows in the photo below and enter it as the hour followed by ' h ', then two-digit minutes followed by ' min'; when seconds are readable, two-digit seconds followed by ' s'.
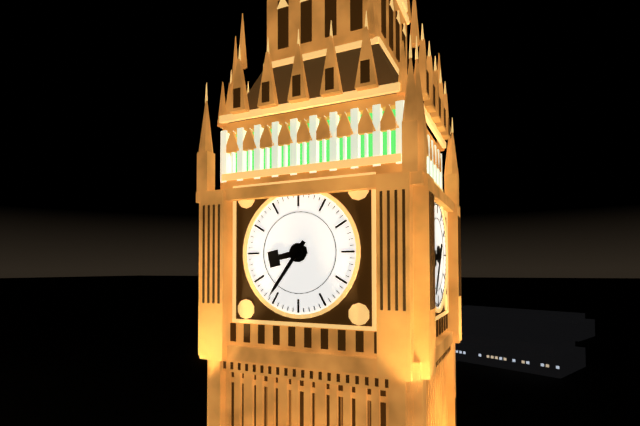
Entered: 8 h 36 min
